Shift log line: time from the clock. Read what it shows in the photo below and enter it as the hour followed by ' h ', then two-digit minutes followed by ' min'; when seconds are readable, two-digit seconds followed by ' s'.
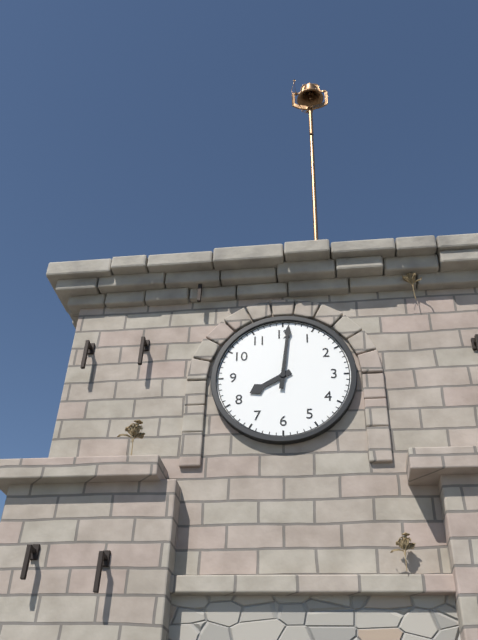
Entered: 8 h 01 min
